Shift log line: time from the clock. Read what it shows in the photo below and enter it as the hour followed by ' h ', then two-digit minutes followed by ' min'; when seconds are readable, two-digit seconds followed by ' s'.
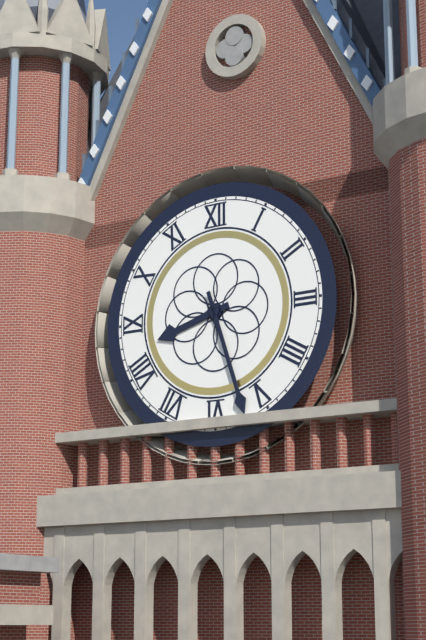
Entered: 8 h 27 min
